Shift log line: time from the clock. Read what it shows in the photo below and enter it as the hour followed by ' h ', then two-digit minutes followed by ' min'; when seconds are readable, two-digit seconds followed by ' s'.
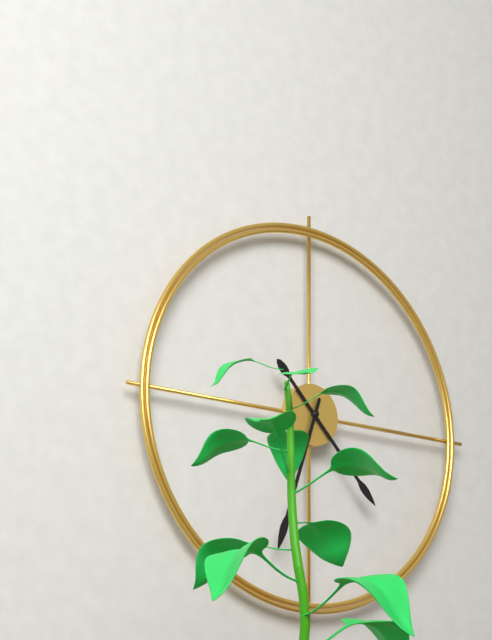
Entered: 4 h 33 min
